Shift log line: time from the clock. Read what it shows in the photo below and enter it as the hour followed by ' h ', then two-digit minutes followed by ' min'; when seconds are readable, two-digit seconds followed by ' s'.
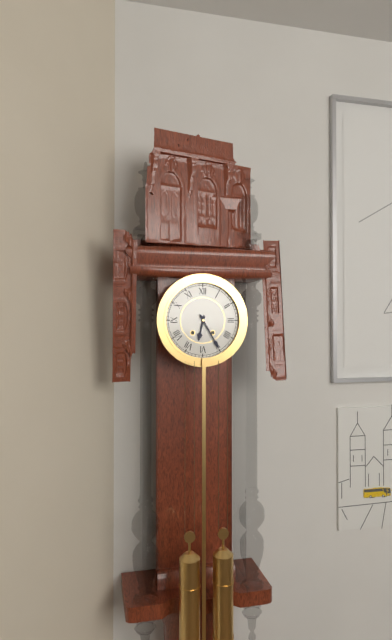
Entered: 6 h 25 min
